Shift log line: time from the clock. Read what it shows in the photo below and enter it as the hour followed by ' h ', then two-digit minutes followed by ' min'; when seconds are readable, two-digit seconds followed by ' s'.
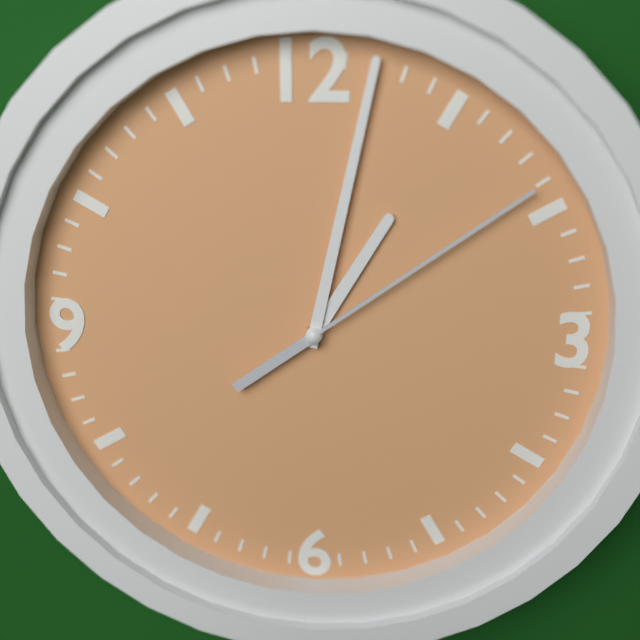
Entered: 1 h 02 min 09 s
